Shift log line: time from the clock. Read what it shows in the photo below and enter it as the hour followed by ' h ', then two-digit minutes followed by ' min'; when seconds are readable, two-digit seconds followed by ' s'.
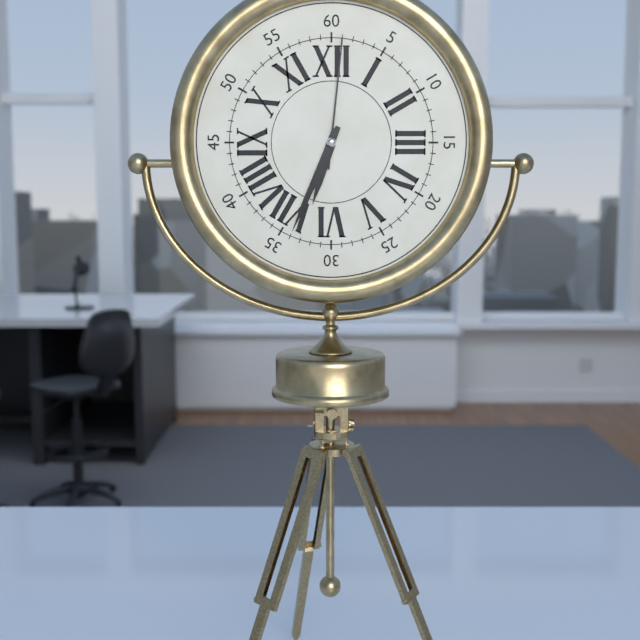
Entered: 6 h 34 min 01 s
